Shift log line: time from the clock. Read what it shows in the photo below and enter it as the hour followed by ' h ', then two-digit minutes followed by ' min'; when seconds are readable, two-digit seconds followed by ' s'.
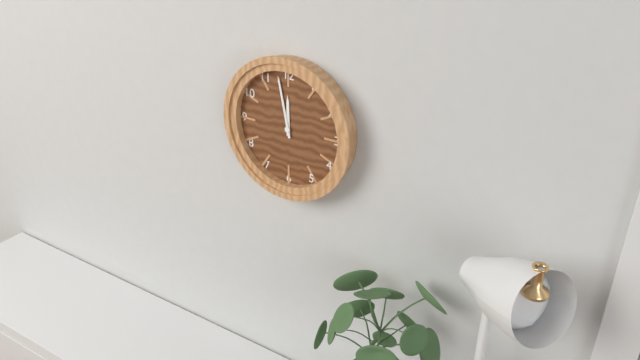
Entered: 11 h 58 min
